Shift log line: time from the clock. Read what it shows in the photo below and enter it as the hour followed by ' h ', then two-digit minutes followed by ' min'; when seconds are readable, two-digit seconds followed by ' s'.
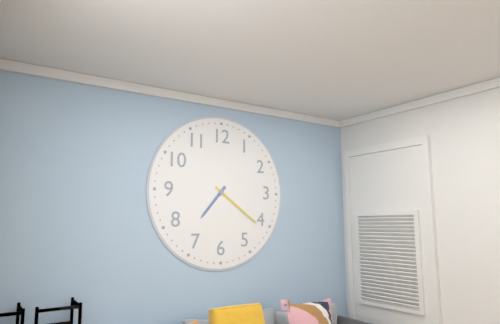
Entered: 7 h 21 min
